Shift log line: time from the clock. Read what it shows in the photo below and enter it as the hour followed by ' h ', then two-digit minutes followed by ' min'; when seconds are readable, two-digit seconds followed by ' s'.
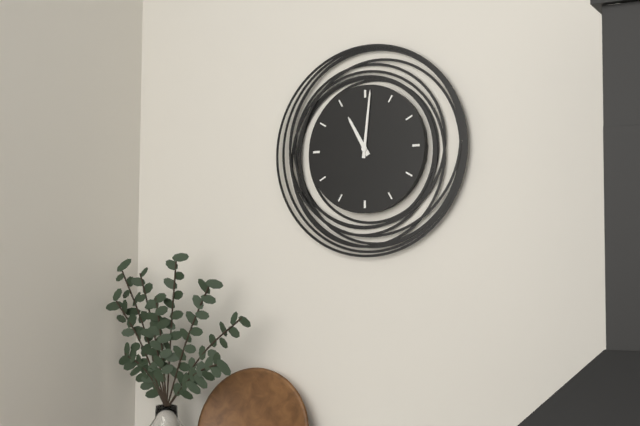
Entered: 11 h 01 min
